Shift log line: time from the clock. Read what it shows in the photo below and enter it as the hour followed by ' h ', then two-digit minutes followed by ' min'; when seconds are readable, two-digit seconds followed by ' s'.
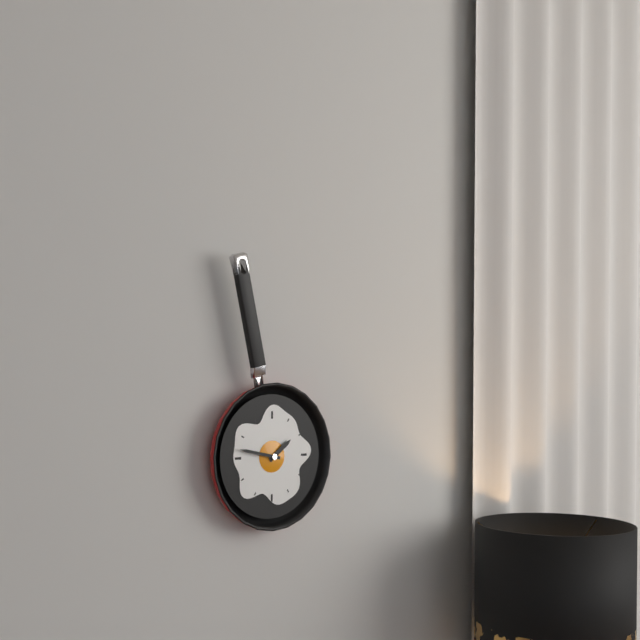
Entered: 1 h 47 min
